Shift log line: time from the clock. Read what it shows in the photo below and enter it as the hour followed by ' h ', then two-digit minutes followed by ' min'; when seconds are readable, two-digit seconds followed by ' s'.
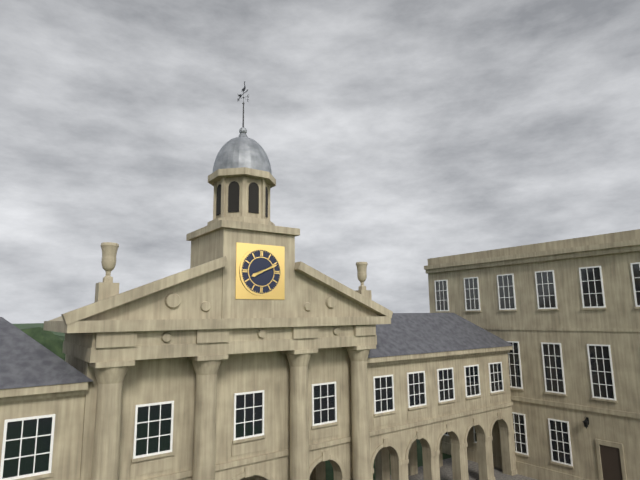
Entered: 8 h 11 min
